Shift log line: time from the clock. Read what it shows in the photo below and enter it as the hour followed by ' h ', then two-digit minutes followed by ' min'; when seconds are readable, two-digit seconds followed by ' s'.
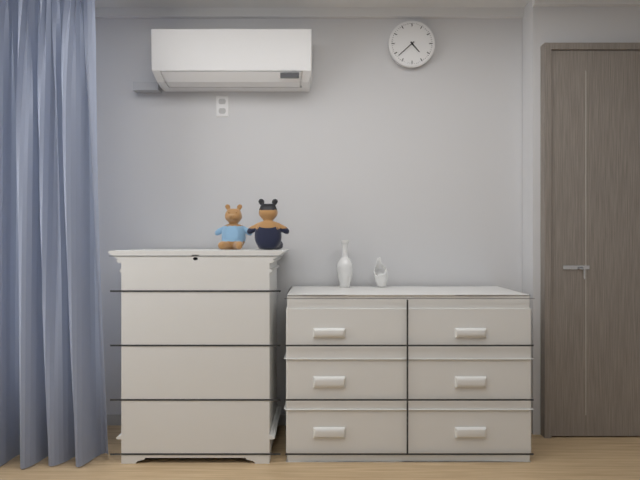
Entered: 4 h 38 min
